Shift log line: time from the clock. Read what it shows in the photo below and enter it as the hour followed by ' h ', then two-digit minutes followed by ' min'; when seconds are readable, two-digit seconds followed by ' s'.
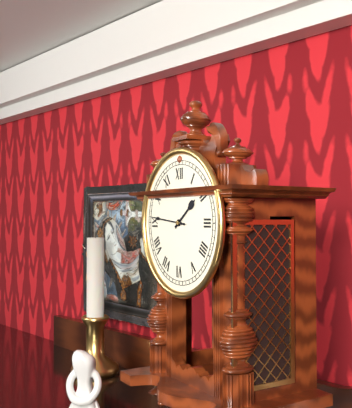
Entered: 1 h 46 min
